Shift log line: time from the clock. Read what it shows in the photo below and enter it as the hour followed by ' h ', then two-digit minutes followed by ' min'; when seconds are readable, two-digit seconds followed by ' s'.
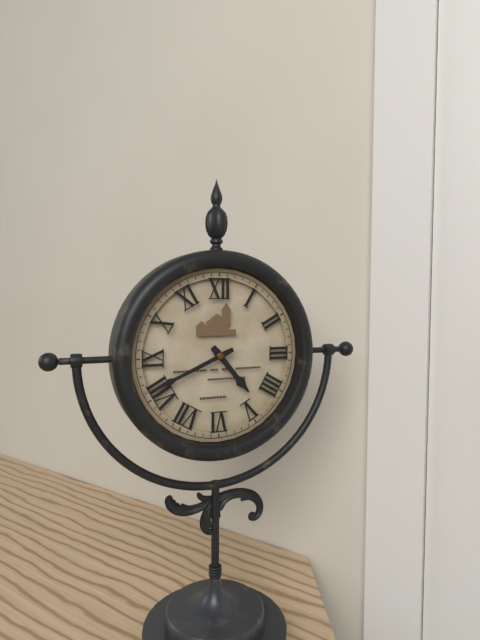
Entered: 4 h 41 min
